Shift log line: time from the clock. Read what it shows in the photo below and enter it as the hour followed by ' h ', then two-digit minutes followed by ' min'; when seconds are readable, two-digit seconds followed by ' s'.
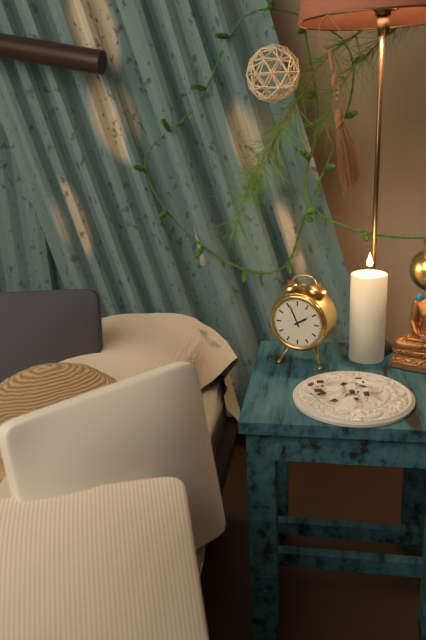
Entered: 1 h 56 min
